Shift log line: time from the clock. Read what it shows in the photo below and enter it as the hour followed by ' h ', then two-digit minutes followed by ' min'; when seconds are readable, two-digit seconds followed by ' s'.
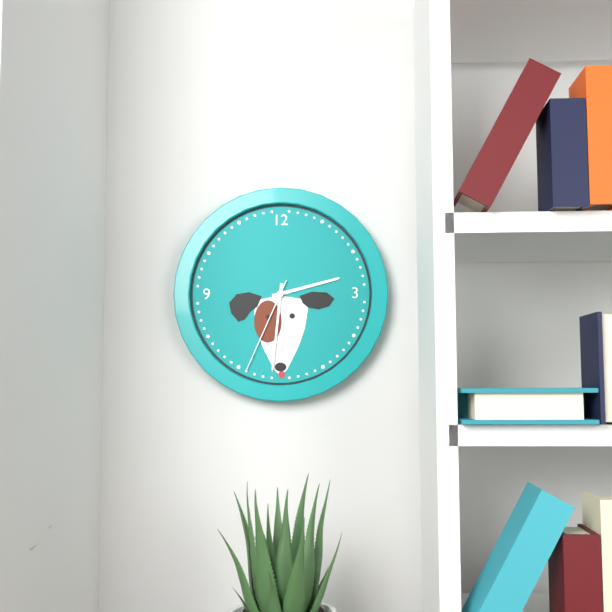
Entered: 2 h 31 min 34 s
